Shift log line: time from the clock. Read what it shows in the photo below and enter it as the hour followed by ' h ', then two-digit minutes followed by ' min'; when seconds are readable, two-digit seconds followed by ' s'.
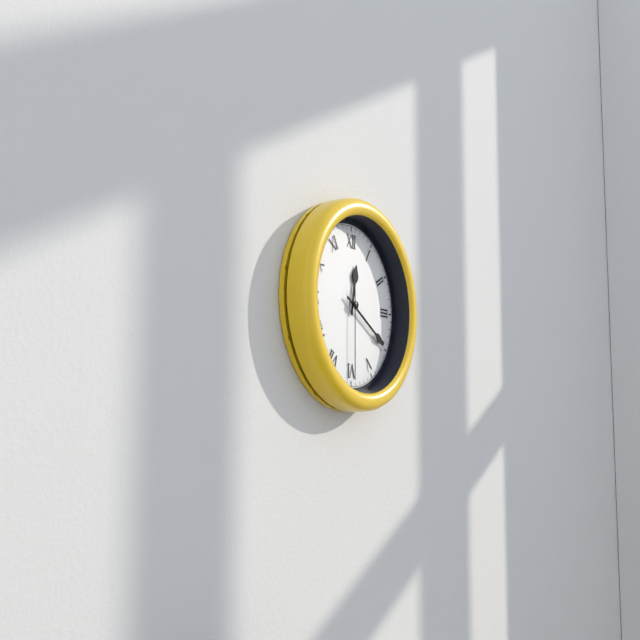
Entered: 12 h 20 min 30 s
